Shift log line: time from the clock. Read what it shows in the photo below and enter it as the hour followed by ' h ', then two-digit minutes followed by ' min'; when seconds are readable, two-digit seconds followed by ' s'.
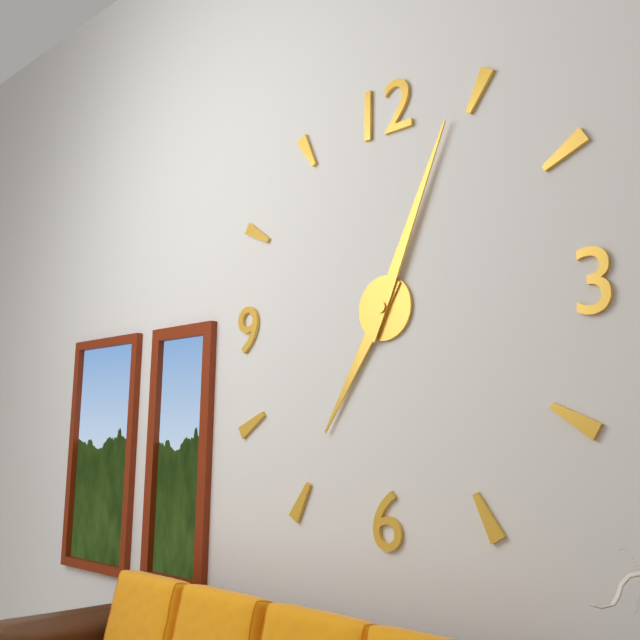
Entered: 7 h 04 min
